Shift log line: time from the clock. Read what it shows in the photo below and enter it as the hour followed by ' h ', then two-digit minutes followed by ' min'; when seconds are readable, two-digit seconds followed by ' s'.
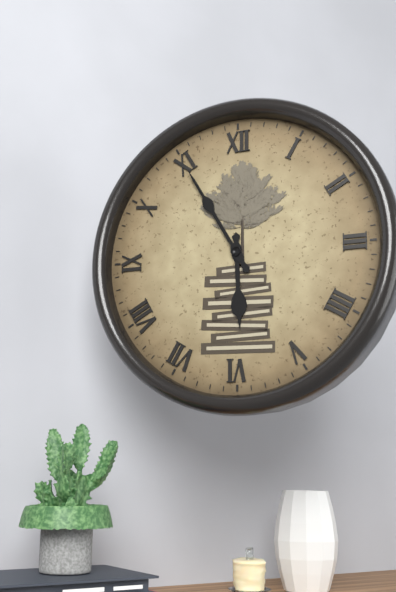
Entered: 5 h 55 min
